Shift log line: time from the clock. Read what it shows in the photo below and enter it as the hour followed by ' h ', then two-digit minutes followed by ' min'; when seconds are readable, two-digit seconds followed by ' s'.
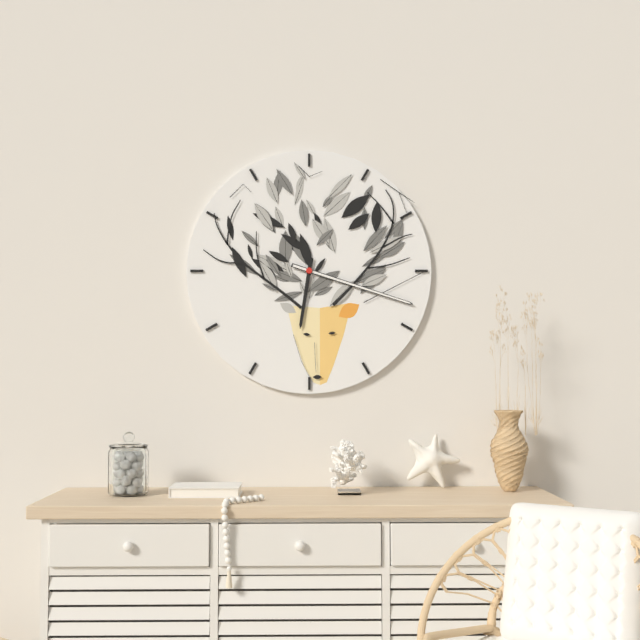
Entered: 6 h 18 min
